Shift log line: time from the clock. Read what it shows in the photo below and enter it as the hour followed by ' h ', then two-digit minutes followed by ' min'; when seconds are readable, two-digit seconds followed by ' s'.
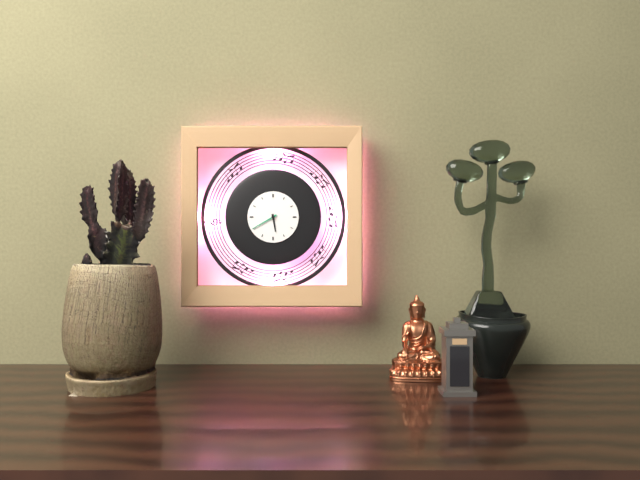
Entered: 5 h 40 min
